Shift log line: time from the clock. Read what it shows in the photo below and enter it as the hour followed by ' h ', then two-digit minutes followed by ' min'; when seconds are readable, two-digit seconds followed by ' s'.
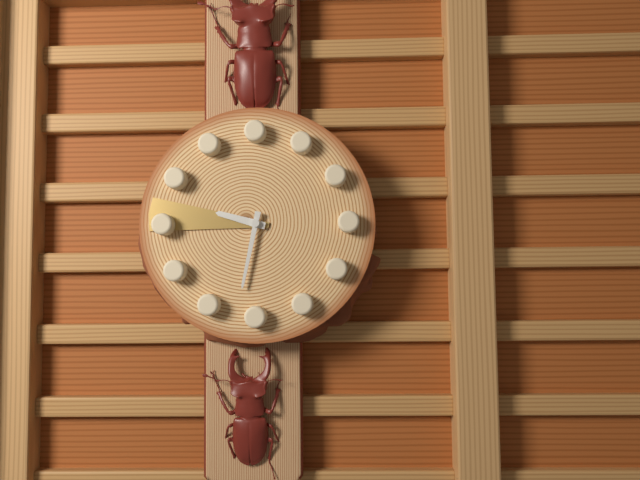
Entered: 9 h 32 min 46 s
